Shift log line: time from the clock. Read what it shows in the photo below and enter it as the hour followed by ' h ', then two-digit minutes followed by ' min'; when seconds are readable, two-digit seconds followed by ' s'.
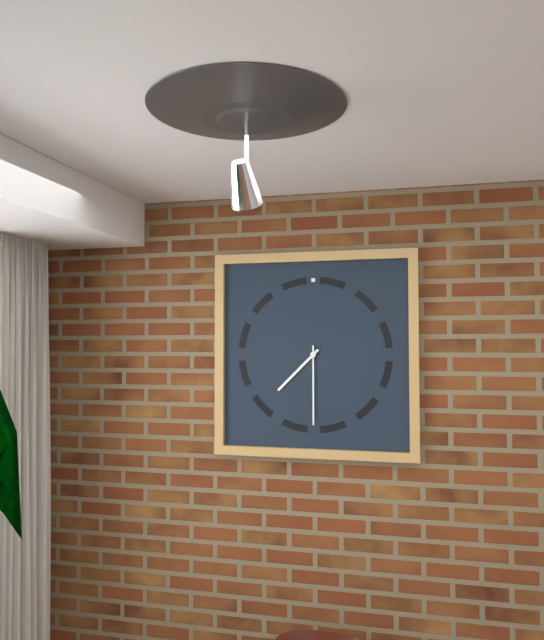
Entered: 7 h 30 min
